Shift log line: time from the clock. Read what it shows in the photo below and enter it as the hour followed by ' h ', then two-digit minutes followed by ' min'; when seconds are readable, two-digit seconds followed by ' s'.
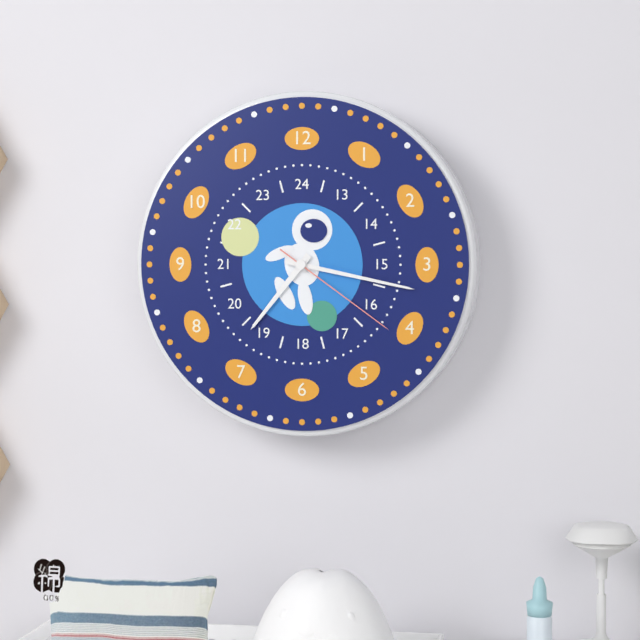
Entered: 7 h 17 min 21 s
